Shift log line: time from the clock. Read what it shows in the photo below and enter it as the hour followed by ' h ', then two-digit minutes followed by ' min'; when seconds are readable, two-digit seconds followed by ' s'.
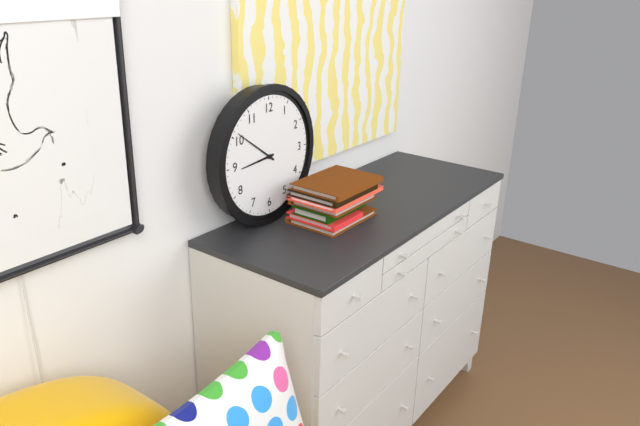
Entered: 8 h 51 min
